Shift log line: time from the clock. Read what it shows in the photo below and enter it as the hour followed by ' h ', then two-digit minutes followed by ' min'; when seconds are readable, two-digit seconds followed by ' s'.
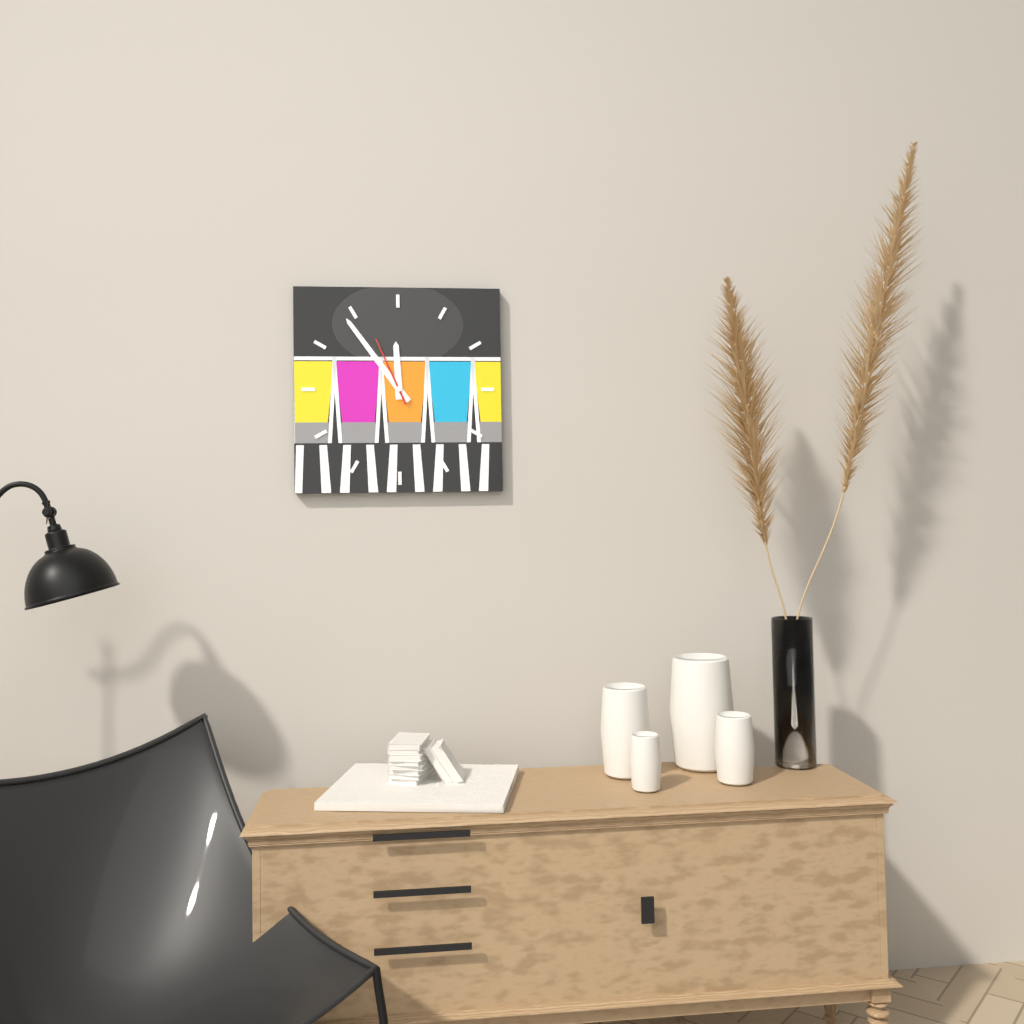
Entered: 11 h 54 min 56 s
